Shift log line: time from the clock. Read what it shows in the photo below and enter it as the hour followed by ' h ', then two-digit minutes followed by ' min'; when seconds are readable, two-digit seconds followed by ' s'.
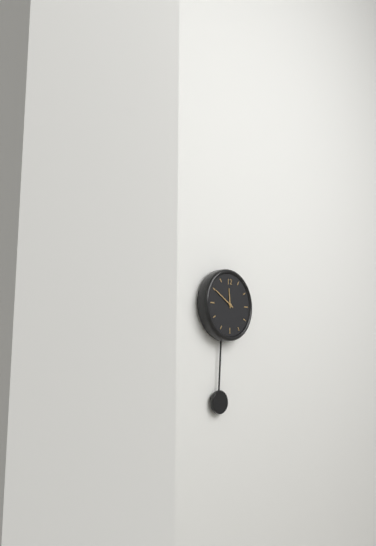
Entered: 11 h 50 min
